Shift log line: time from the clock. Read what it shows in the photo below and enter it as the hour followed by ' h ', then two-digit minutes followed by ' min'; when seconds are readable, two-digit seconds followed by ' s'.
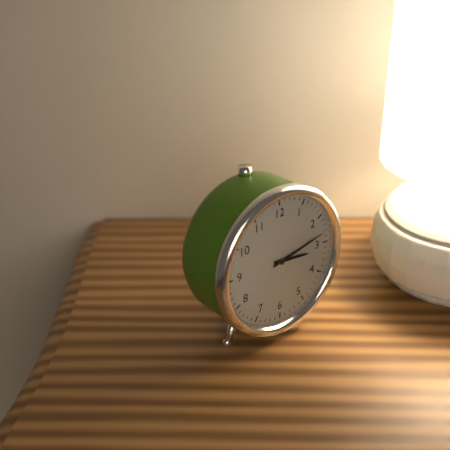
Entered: 3 h 13 min
